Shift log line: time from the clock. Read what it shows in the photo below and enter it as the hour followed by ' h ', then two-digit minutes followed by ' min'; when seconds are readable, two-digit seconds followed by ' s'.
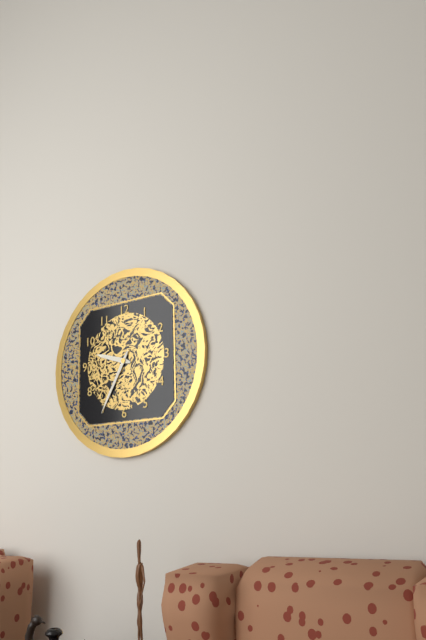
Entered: 9 h 35 min
